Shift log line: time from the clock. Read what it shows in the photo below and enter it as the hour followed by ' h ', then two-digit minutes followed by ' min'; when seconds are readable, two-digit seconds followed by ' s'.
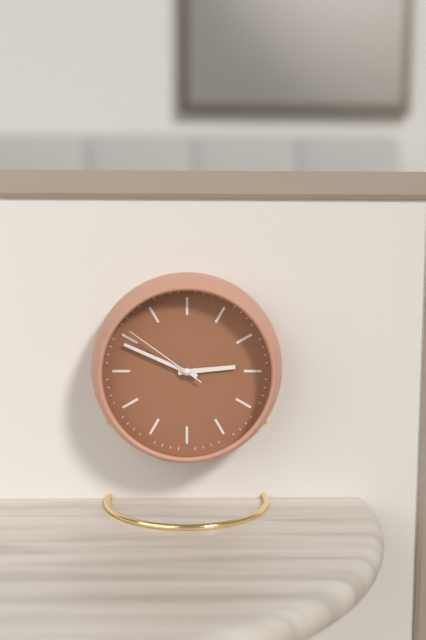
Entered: 2 h 49 min 51 s
